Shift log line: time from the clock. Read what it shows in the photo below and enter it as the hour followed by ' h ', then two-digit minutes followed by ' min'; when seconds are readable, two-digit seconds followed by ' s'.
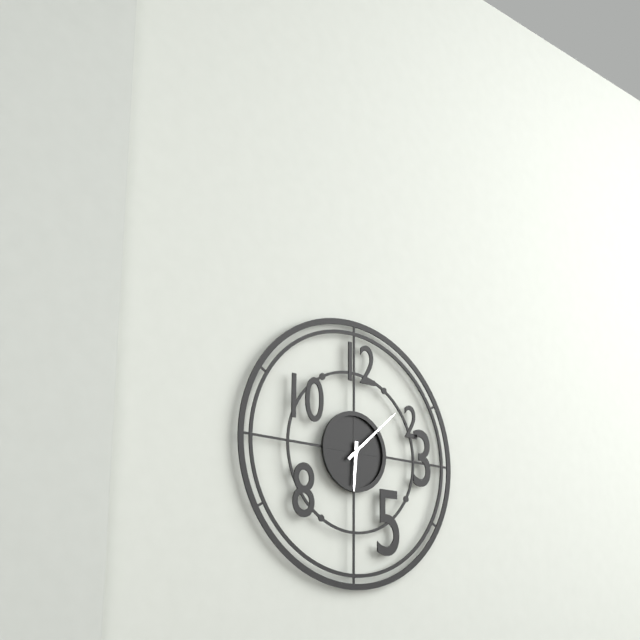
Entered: 6 h 08 min
